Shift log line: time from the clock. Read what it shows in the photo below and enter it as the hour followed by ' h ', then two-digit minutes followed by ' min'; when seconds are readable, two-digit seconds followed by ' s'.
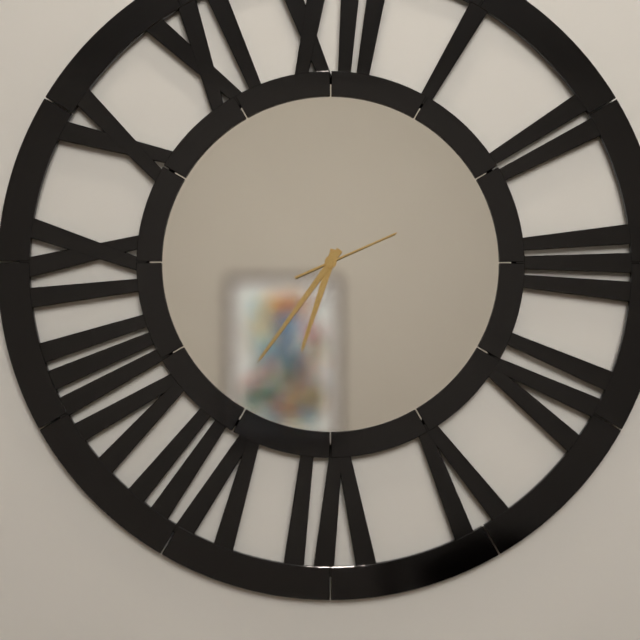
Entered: 6 h 36 min 11 s
